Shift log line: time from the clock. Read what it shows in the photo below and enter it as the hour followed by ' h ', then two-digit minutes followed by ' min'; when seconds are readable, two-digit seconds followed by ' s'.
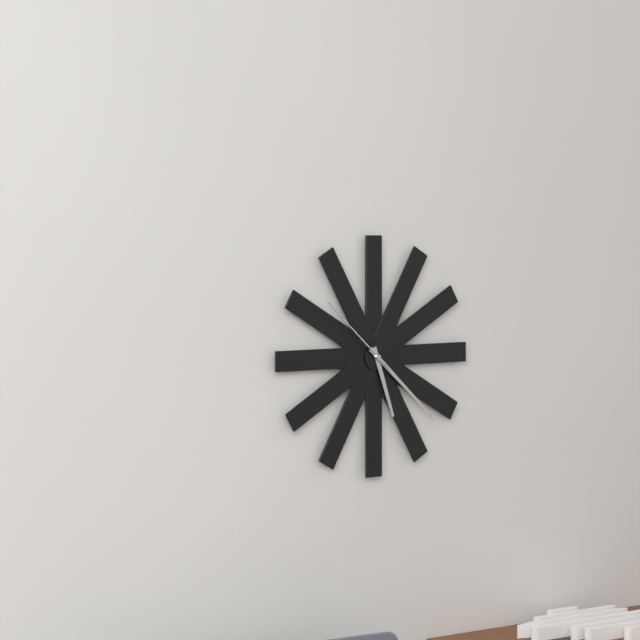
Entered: 5 h 22 min 52 s
